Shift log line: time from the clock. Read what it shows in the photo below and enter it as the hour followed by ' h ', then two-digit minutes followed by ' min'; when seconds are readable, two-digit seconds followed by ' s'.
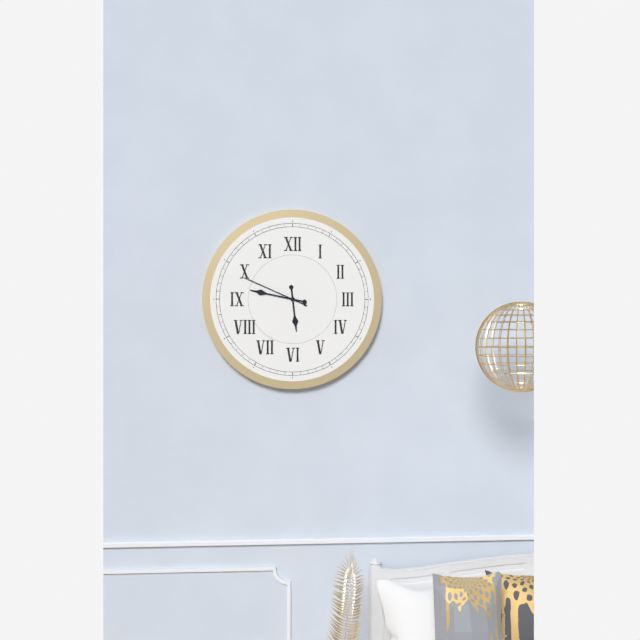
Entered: 5 h 47 min 49 s
